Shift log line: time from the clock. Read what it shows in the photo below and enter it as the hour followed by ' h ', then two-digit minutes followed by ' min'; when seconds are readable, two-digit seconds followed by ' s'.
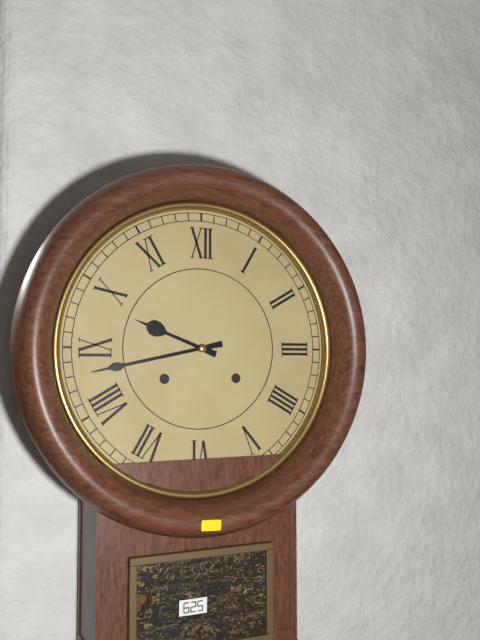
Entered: 9 h 43 min
